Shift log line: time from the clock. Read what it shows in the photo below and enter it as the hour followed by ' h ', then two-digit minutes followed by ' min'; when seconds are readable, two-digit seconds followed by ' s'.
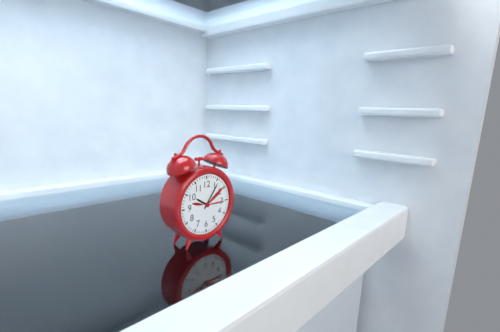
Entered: 10 h 06 min
